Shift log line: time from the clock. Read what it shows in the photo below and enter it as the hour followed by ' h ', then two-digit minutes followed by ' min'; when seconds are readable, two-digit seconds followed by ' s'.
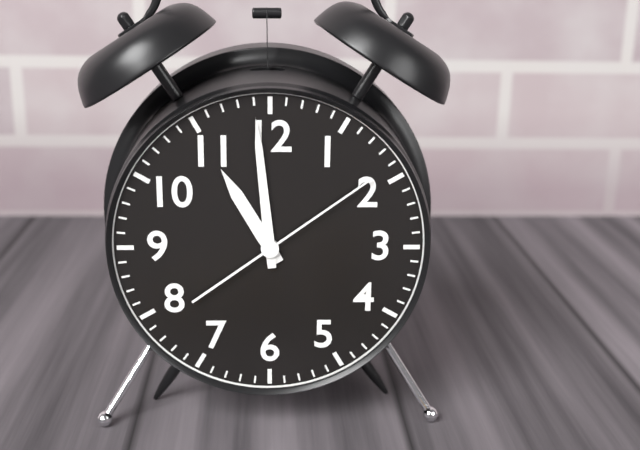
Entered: 10 h 59 min 09 s
